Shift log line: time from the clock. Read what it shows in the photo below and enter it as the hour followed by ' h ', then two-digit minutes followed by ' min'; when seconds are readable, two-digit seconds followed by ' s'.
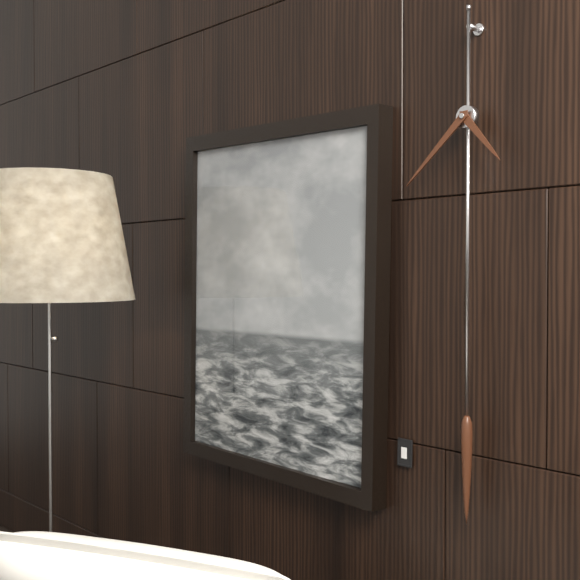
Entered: 4 h 38 min
